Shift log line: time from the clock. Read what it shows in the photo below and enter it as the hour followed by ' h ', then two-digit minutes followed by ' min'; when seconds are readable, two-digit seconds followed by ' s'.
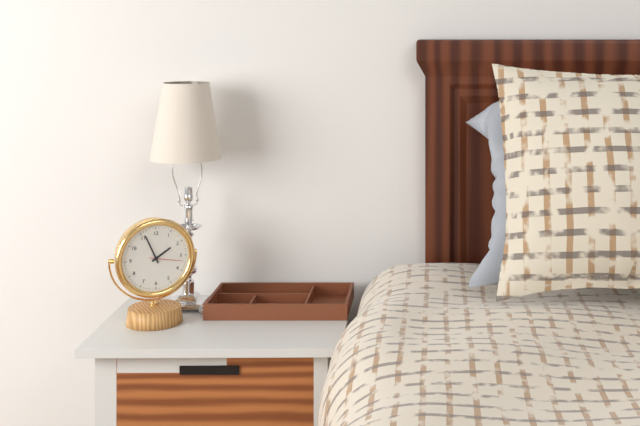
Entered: 1 h 56 min
